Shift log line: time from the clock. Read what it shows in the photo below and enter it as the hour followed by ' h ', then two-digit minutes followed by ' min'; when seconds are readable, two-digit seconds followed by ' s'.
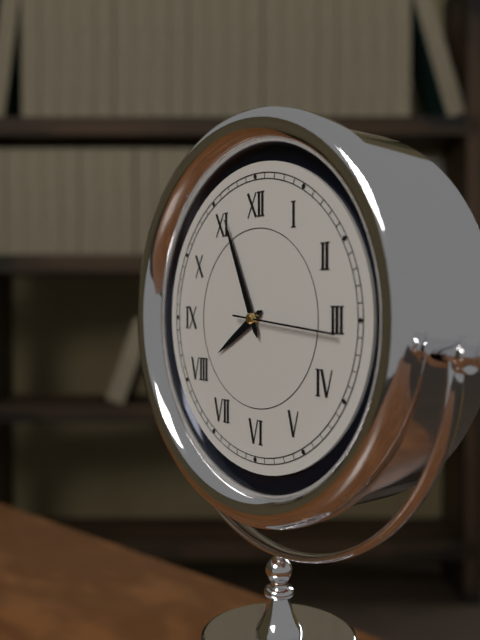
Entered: 7 h 56 min 16 s
